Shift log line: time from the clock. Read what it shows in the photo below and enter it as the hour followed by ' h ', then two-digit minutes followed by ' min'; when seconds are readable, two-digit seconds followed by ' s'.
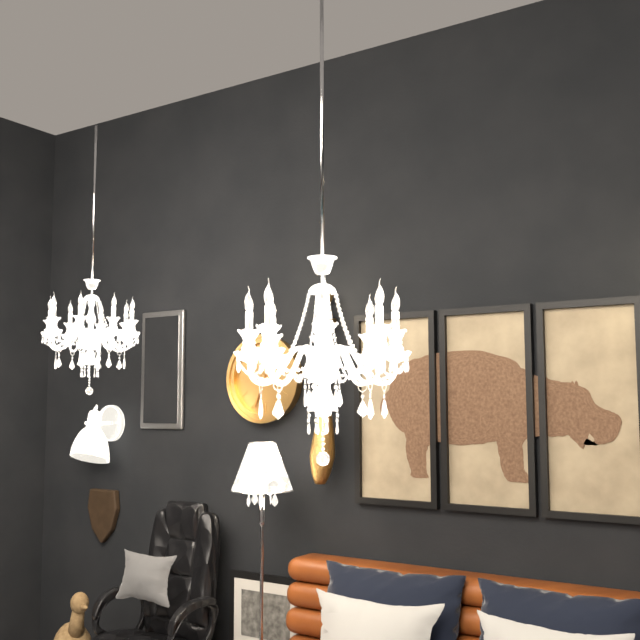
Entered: 10 h 34 min
